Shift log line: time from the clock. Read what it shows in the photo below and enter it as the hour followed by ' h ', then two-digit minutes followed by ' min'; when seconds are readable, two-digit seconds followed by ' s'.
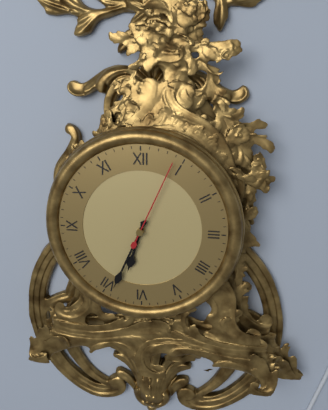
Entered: 6 h 34 min 04 s
